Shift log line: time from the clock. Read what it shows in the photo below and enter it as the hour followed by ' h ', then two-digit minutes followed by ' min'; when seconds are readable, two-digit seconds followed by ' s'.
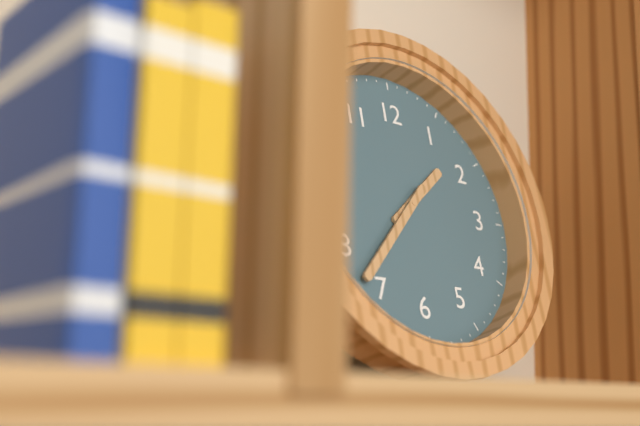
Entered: 1 h 37 min
